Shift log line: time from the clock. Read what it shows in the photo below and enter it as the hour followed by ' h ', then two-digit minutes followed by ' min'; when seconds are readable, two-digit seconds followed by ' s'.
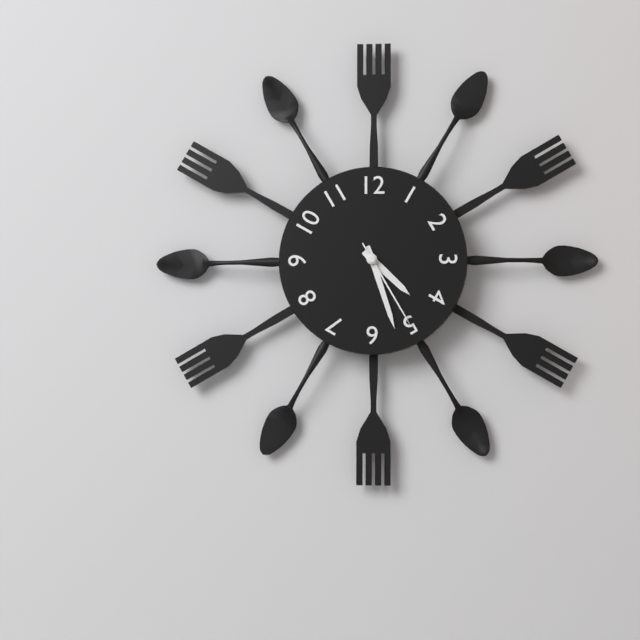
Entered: 4 h 27 min 25 s
